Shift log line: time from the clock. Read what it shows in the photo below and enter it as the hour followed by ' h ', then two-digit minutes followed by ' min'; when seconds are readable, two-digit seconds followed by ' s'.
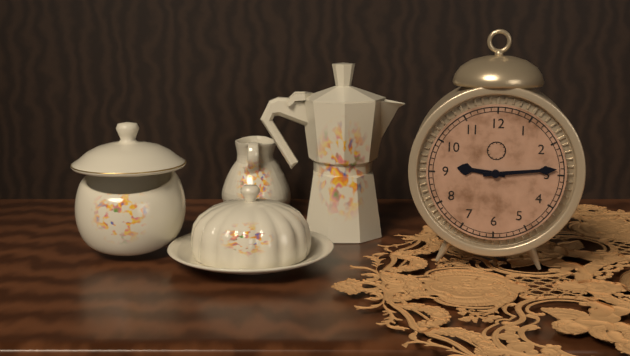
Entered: 9 h 14 min
